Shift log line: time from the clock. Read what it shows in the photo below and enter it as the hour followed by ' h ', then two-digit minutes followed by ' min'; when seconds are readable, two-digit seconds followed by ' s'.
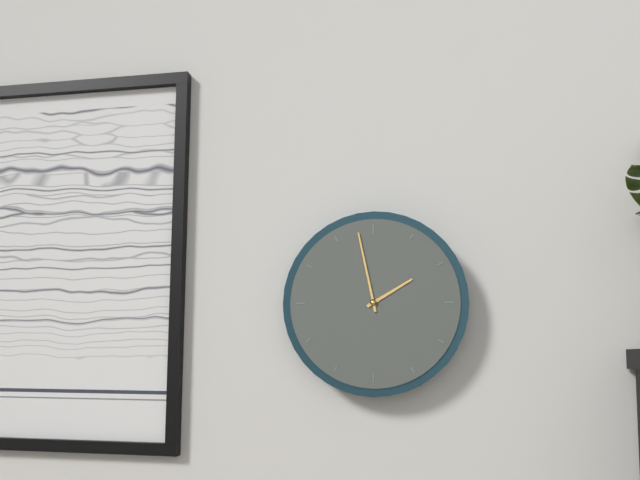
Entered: 1 h 58 min
